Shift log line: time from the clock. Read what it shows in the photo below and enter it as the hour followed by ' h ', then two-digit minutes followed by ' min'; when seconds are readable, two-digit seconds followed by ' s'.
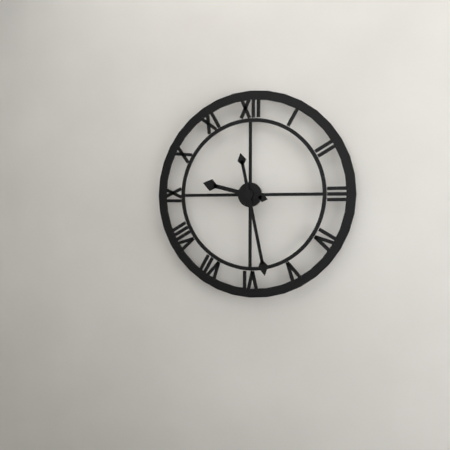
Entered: 9 h 28 min
